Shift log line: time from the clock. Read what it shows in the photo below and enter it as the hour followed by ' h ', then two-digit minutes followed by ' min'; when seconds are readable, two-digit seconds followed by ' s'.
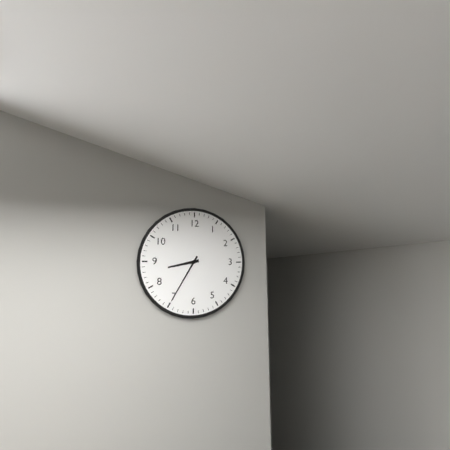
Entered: 8 h 35 min
